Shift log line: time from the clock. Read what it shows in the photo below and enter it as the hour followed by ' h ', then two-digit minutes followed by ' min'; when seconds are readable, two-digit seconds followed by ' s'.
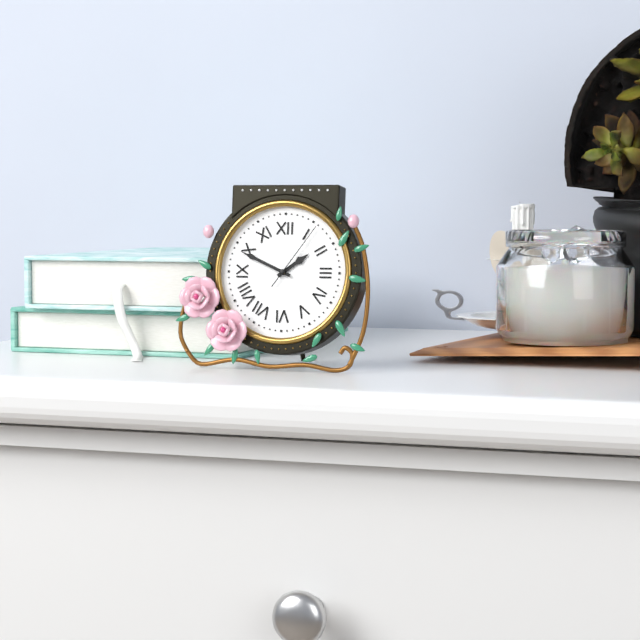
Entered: 1 h 49 min 06 s
